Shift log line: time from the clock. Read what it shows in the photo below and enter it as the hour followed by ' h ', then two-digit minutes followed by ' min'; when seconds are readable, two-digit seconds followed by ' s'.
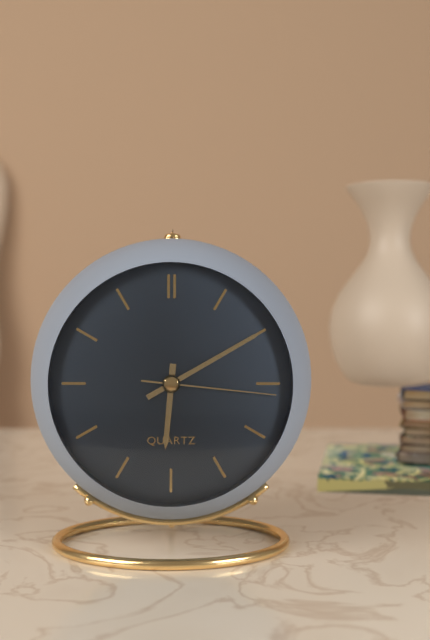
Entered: 6 h 10 min 16 s
